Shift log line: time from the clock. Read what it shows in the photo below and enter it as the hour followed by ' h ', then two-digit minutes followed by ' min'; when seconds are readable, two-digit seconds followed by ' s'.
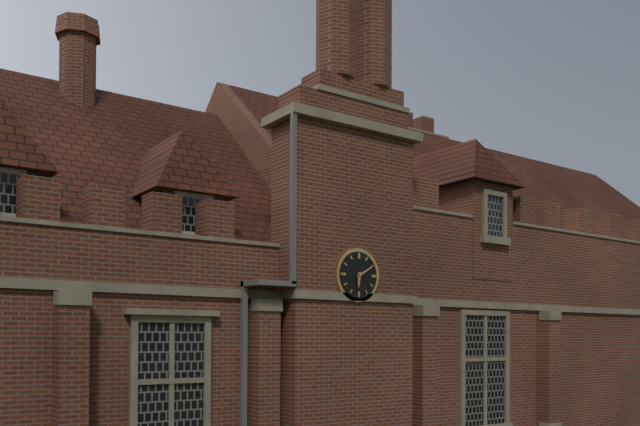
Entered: 6 h 10 min
